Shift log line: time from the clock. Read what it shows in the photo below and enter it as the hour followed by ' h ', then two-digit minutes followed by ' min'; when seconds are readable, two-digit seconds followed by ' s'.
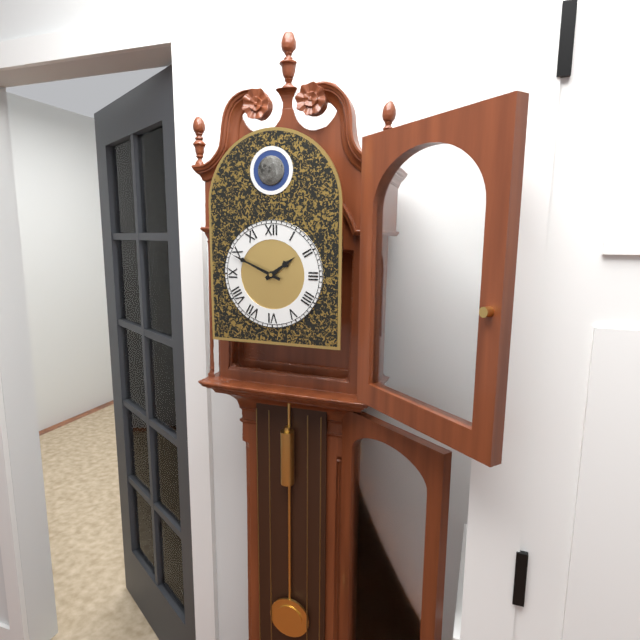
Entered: 1 h 49 min
